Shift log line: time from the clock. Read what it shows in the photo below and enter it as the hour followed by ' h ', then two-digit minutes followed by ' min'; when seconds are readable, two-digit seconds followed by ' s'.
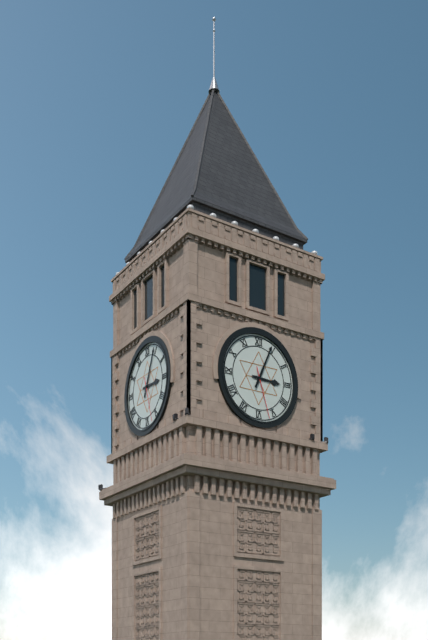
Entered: 3 h 04 min 27 s
